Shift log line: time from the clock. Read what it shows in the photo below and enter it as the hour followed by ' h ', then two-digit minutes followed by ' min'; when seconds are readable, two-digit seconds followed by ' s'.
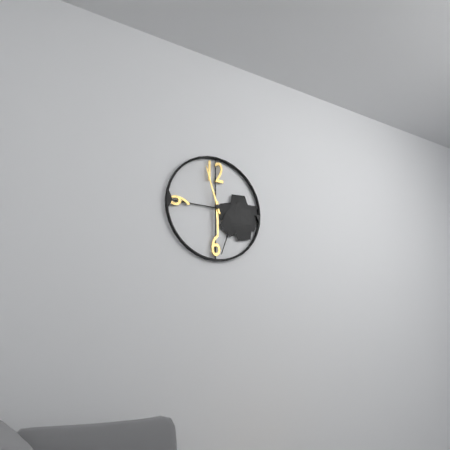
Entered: 5 h 57 min
